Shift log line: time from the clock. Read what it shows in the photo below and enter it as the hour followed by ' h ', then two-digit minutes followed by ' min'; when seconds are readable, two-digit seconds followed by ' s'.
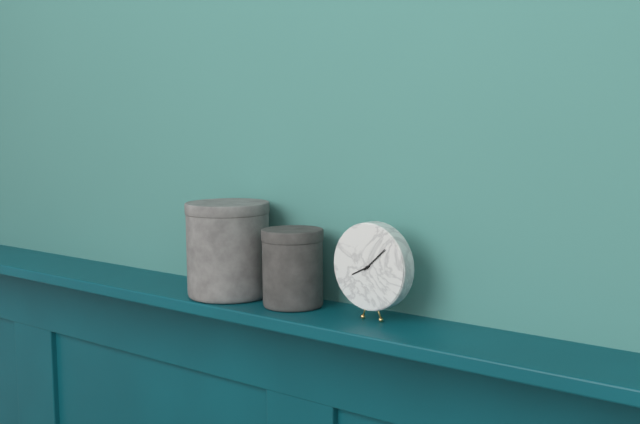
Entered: 8 h 08 min
